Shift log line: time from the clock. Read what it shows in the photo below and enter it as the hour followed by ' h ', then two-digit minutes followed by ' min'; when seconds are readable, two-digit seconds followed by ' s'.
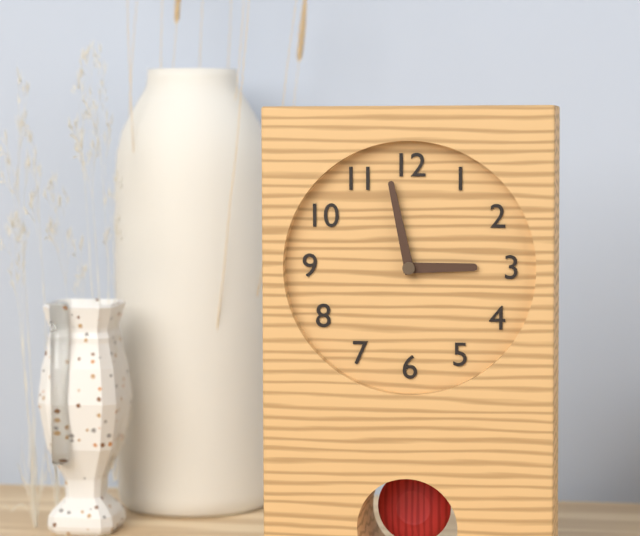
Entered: 2 h 58 min
